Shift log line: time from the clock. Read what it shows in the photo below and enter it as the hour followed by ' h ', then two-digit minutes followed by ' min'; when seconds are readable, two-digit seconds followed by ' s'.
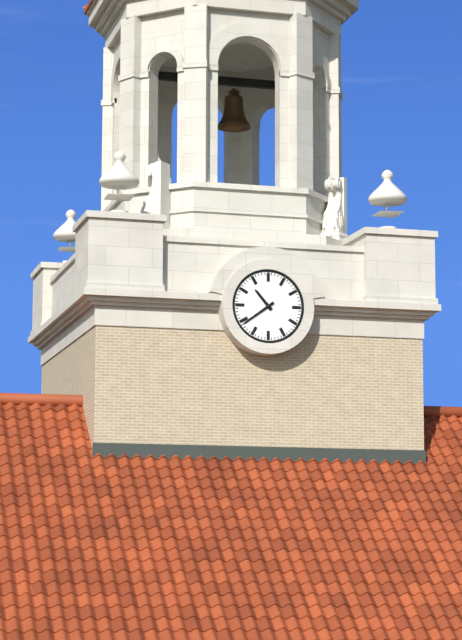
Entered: 10 h 39 min
